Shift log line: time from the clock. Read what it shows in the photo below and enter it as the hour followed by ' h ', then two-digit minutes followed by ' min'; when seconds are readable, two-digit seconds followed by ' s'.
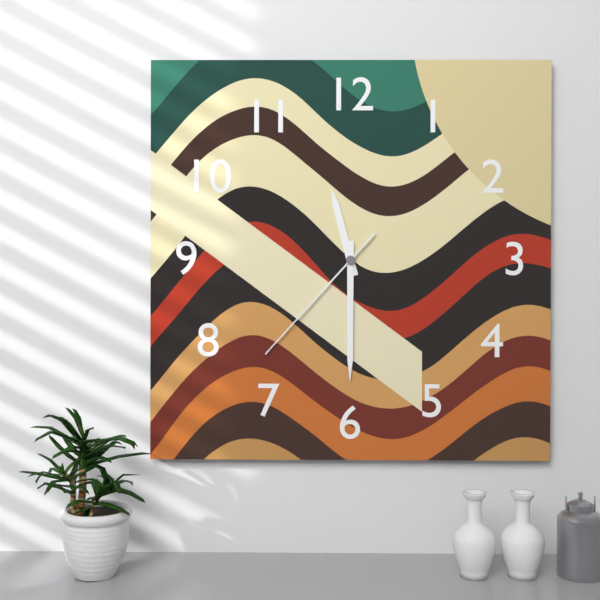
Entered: 11 h 30 min 37 s
